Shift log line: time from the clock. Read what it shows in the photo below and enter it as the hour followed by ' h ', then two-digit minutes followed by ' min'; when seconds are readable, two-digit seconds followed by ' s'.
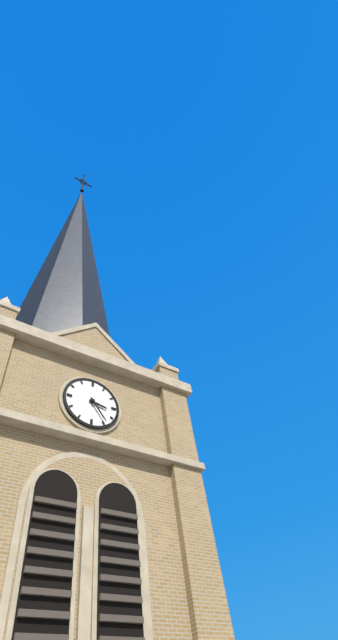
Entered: 3 h 24 min
